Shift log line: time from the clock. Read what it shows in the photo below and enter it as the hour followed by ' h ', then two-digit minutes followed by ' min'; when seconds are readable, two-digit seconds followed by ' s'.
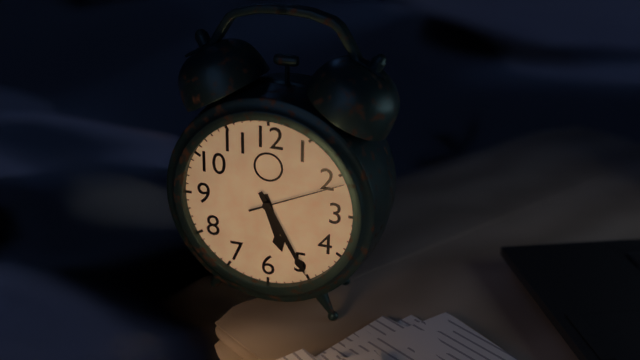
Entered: 5 h 25 min 11 s
